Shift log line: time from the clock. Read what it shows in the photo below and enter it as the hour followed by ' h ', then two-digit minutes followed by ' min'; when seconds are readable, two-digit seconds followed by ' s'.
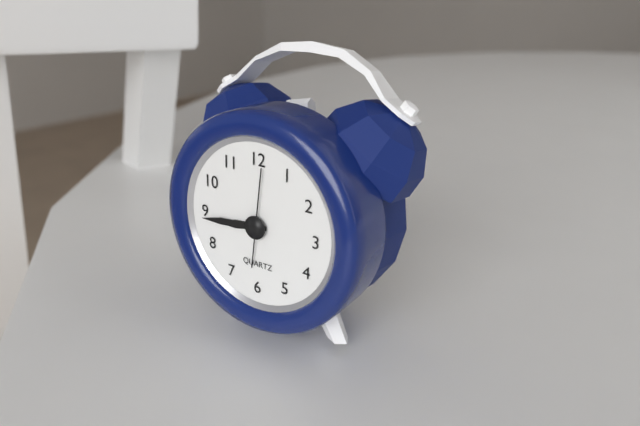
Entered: 8 h 44 min 01 s
